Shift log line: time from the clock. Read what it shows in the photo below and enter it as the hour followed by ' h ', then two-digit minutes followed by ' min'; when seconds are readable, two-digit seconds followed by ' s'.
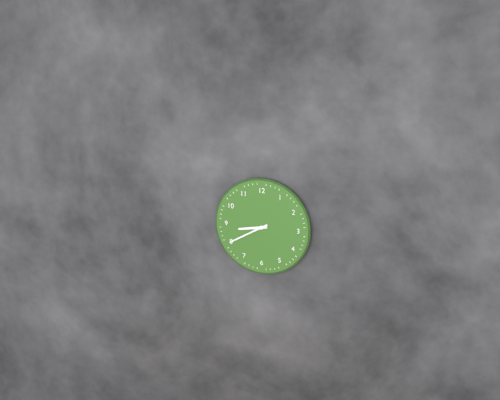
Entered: 8 h 40 min
